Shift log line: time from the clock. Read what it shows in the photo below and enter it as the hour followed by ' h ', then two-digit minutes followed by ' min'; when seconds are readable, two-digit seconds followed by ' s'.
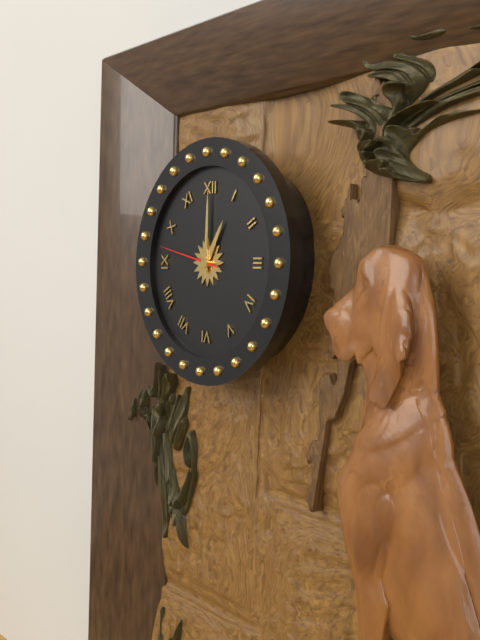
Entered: 1 h 00 min 47 s
